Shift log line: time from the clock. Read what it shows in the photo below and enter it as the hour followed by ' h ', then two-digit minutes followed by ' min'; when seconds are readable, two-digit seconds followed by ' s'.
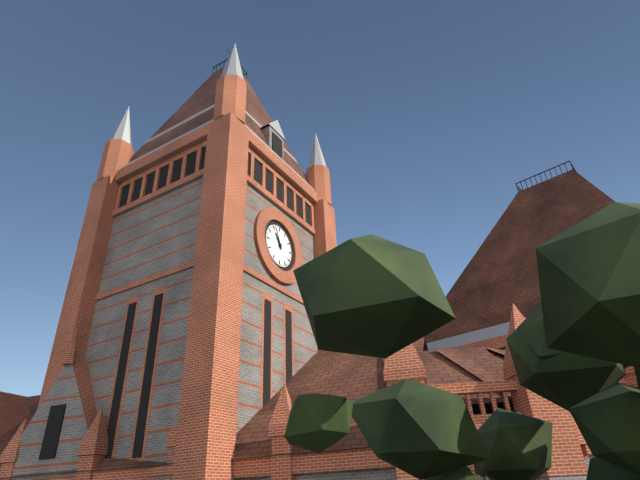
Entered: 10 h 56 min
